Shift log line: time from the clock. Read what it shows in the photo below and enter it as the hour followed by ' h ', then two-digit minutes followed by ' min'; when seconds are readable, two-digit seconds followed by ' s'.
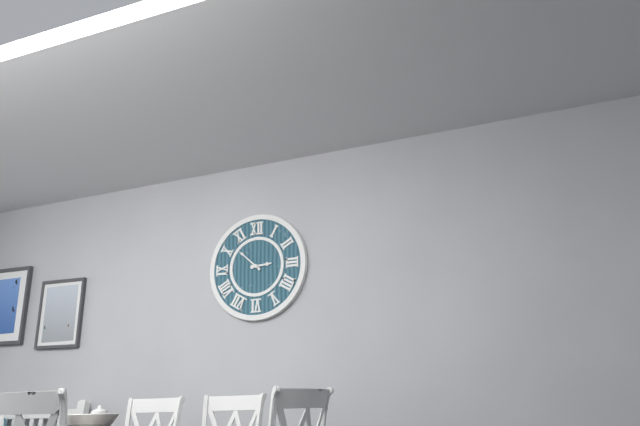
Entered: 2 h 52 min
